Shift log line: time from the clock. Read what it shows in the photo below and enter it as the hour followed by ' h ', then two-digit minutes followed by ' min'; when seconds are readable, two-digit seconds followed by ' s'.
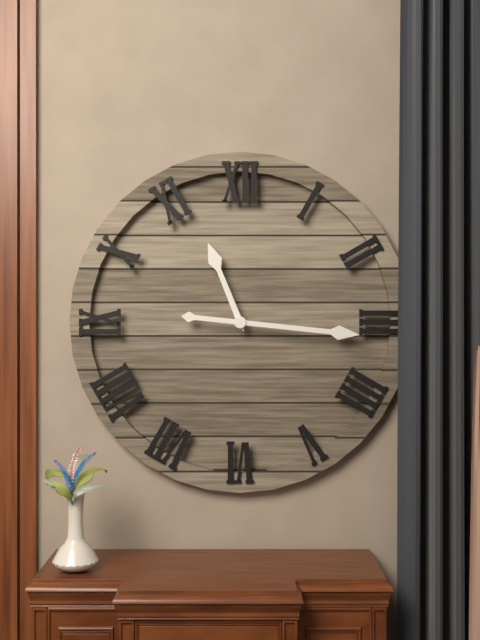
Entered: 11 h 16 min
